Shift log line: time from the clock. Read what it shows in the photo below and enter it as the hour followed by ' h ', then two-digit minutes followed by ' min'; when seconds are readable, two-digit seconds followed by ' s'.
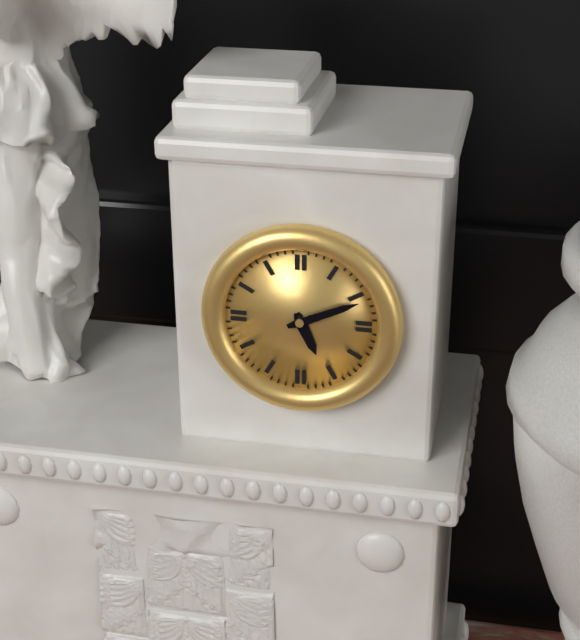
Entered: 5 h 11 min
